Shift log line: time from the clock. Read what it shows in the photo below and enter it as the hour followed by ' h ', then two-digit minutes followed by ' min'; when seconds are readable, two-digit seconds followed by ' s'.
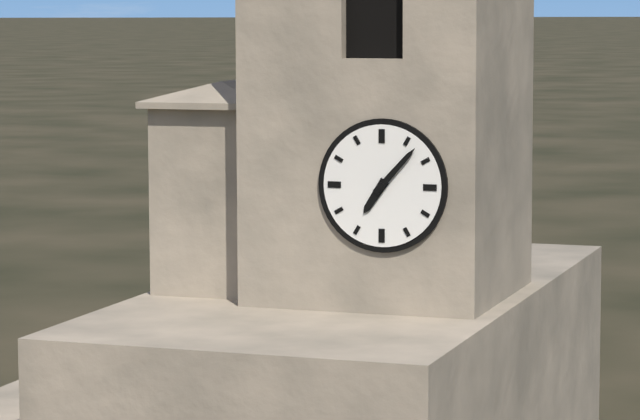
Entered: 7 h 07 min
